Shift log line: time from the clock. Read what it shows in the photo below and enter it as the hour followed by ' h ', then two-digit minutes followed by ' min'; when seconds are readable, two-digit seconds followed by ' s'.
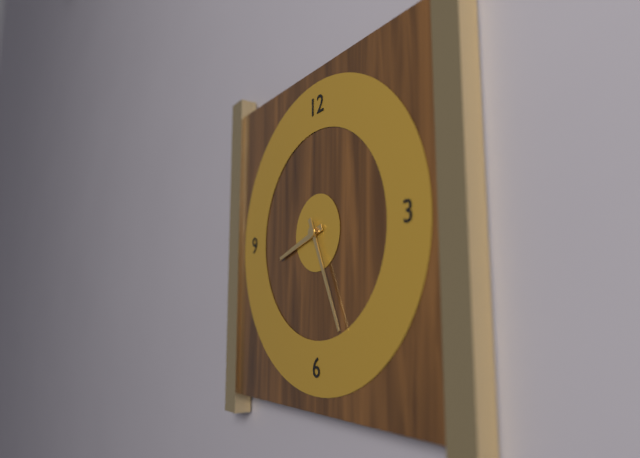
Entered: 8 h 26 min
